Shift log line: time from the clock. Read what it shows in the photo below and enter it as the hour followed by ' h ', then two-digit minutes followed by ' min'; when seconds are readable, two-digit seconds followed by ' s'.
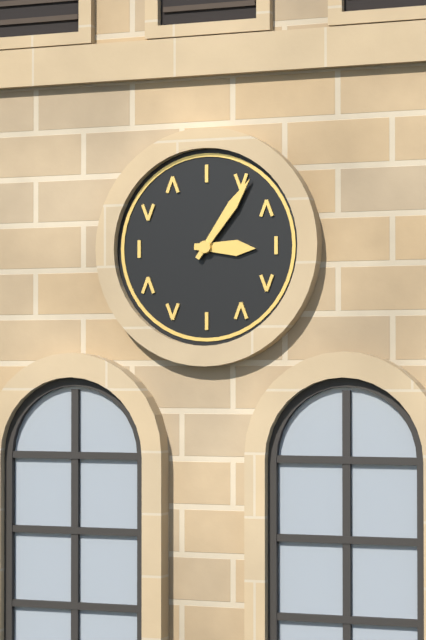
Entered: 3 h 06 min
